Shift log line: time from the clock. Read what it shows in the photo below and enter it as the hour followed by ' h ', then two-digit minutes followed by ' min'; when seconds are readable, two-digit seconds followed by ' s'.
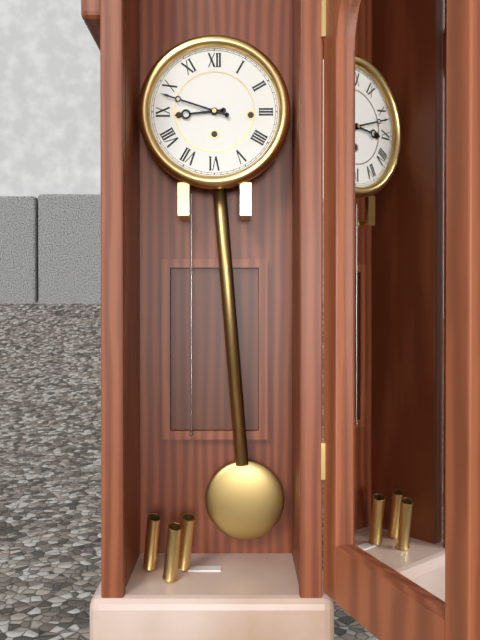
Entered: 8 h 48 min
